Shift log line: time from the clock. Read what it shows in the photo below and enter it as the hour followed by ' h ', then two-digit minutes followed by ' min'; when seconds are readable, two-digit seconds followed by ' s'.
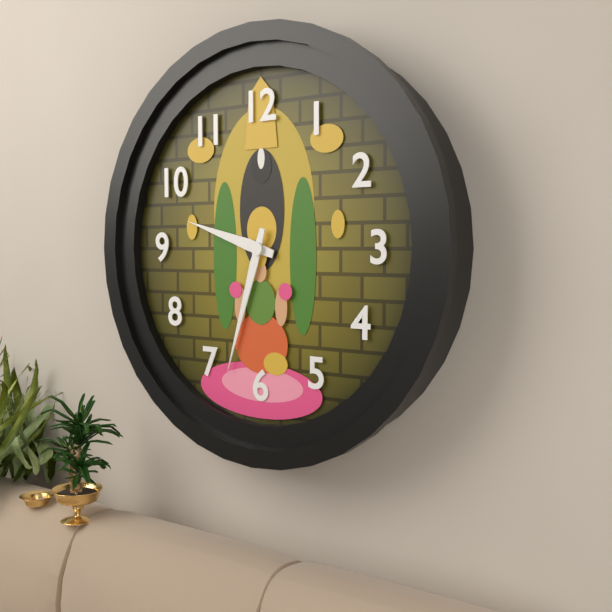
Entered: 9 h 33 min
